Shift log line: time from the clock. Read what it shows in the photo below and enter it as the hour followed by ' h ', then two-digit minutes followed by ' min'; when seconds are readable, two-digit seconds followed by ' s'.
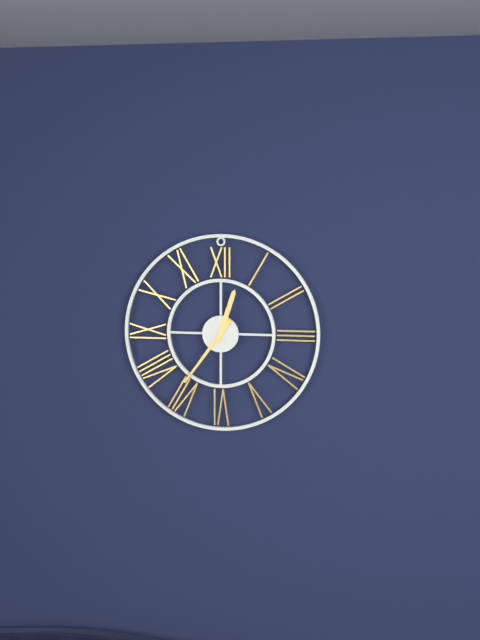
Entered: 12 h 36 min
